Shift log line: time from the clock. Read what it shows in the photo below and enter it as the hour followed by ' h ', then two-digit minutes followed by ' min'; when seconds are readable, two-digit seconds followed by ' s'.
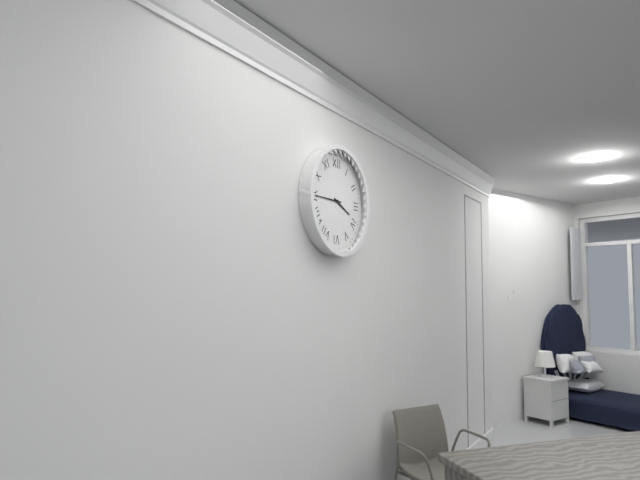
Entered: 3 h 45 min
